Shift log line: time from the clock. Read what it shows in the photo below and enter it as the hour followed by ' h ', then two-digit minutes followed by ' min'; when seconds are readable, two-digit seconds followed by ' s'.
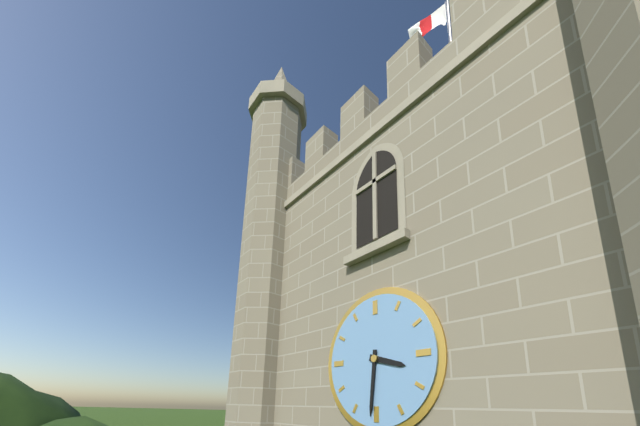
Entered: 3 h 31 min
